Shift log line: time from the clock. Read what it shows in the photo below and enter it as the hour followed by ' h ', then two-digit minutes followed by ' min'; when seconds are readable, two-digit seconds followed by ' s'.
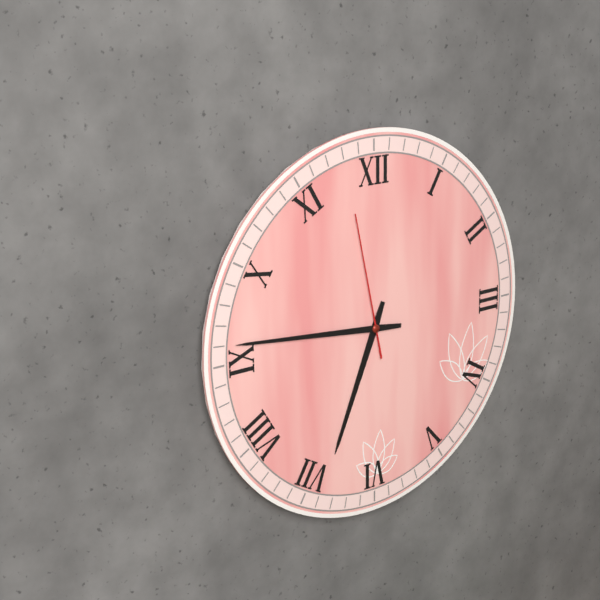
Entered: 6 h 46 min 58 s
